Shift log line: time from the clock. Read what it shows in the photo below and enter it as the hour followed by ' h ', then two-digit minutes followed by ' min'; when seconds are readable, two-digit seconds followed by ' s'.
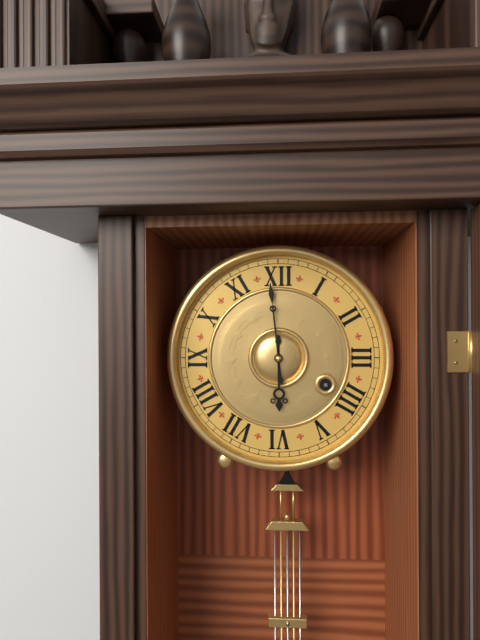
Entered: 5 h 59 min
